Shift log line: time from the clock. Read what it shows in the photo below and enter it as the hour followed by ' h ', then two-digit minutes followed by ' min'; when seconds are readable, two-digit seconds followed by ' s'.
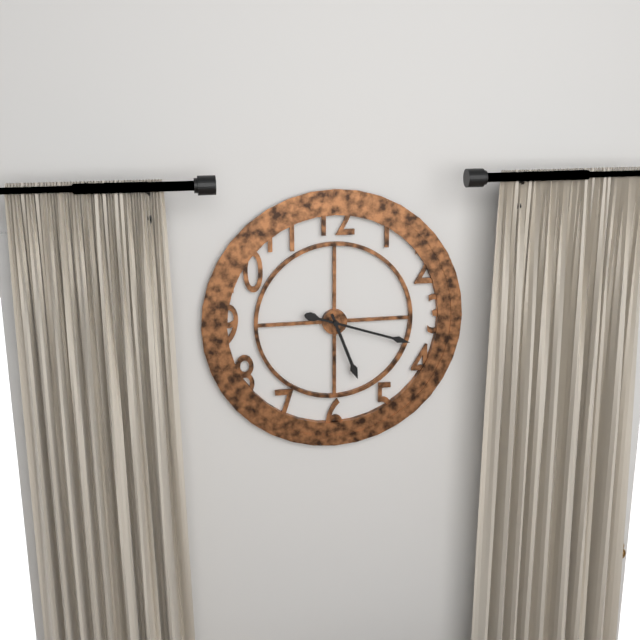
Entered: 5 h 18 min
